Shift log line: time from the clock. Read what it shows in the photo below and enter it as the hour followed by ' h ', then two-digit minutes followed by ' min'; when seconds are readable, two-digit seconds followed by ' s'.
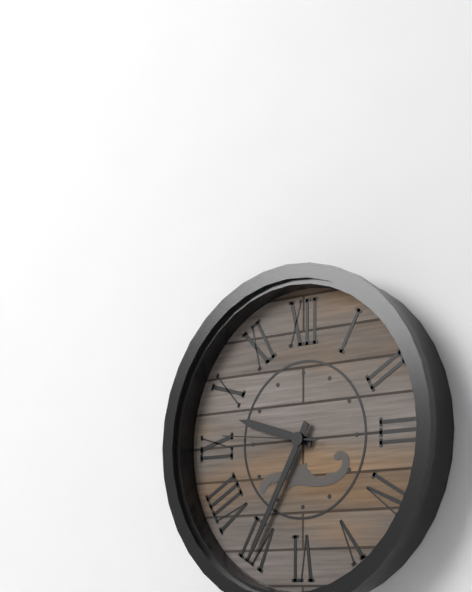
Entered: 9 h 35 min 46 s
